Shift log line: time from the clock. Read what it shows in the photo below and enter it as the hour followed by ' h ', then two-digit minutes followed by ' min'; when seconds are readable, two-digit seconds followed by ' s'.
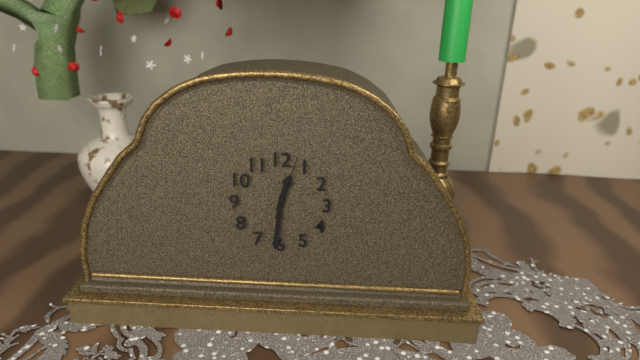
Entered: 12 h 31 min 03 s
